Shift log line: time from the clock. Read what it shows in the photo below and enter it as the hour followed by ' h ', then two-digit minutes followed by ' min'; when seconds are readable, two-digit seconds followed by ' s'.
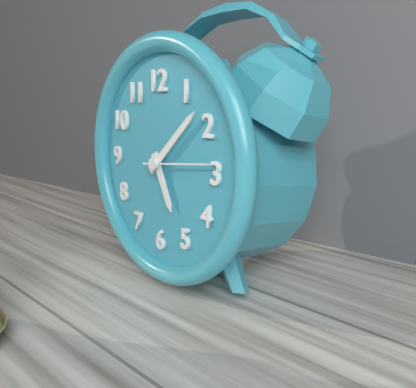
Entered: 5 h 08 min 14 s
